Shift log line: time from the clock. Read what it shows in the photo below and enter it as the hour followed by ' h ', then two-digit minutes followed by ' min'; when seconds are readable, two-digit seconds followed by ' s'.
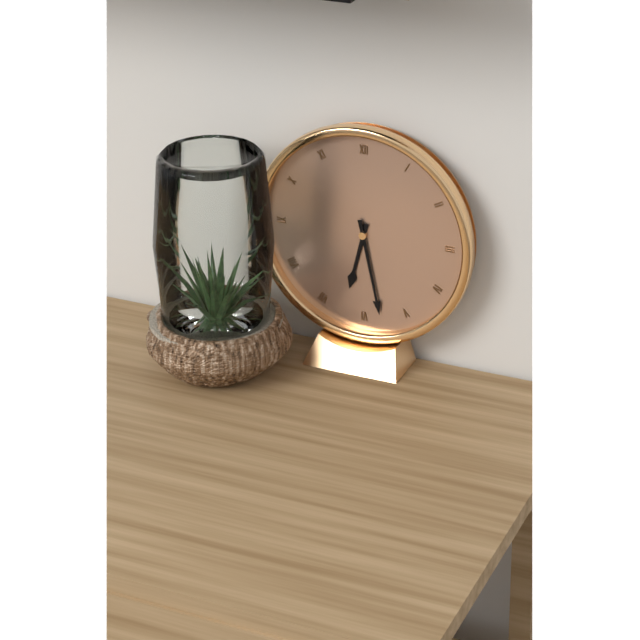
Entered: 6 h 28 min
